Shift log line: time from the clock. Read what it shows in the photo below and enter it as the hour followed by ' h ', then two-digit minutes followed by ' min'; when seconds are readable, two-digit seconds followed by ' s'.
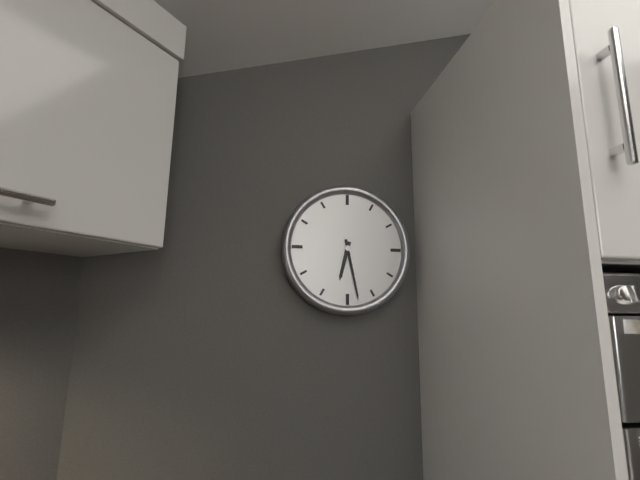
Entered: 6 h 28 min
